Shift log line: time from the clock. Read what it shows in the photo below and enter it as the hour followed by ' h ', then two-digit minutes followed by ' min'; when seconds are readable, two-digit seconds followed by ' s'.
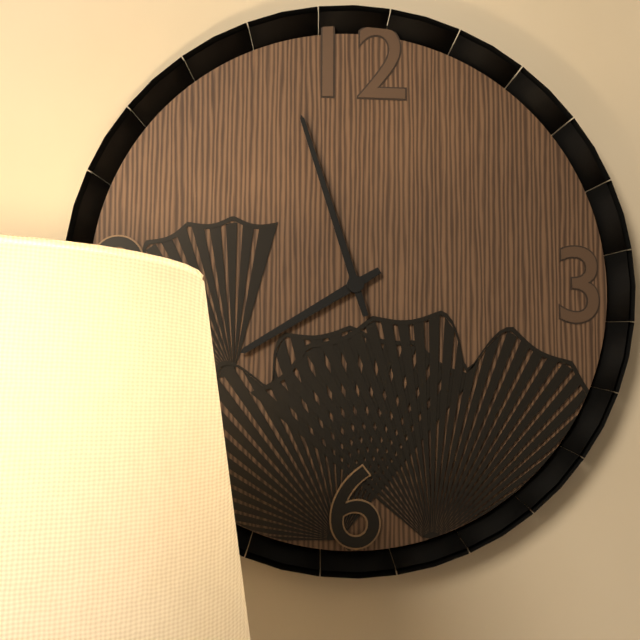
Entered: 7 h 57 min
